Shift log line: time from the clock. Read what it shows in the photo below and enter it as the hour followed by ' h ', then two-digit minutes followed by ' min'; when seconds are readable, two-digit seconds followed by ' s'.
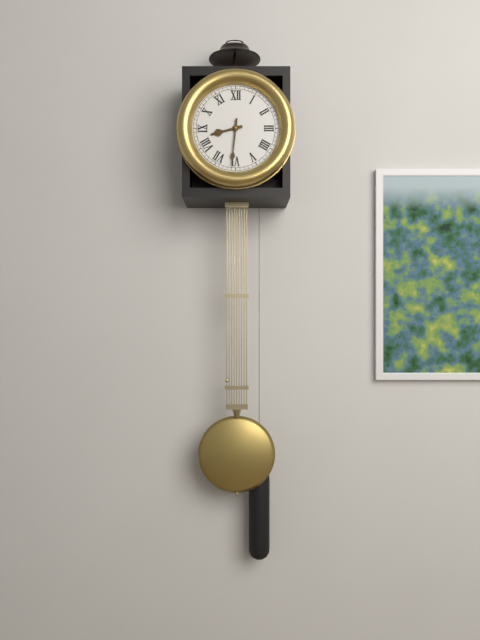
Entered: 8 h 31 min
